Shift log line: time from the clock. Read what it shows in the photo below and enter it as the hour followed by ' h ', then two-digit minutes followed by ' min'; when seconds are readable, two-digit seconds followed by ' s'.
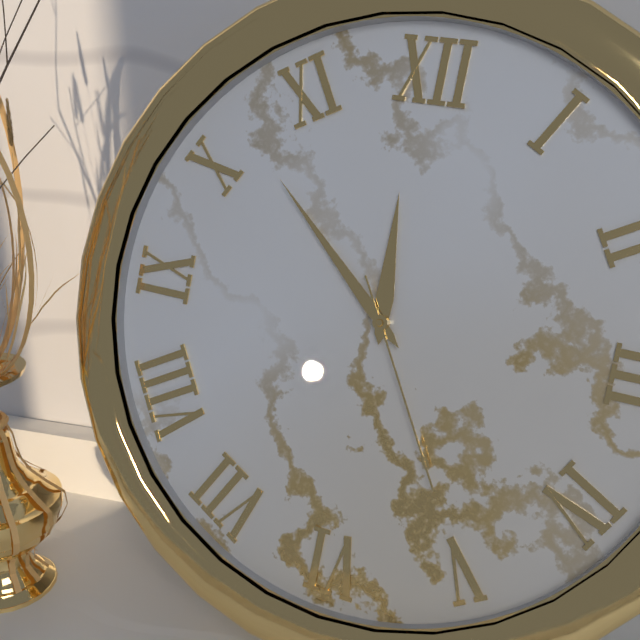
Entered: 11 h 52 min 25 s
